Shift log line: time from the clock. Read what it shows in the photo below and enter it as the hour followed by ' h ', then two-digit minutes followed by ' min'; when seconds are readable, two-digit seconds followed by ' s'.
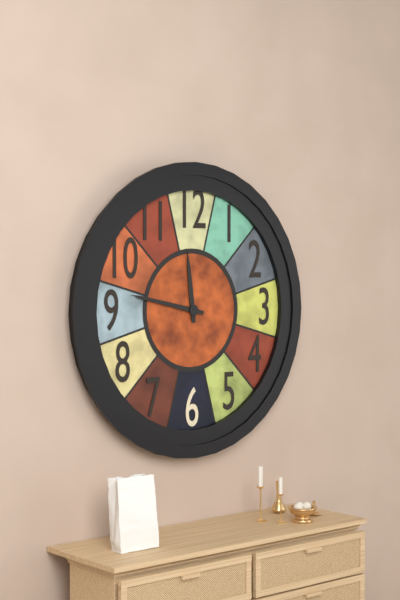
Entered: 11 h 47 min
